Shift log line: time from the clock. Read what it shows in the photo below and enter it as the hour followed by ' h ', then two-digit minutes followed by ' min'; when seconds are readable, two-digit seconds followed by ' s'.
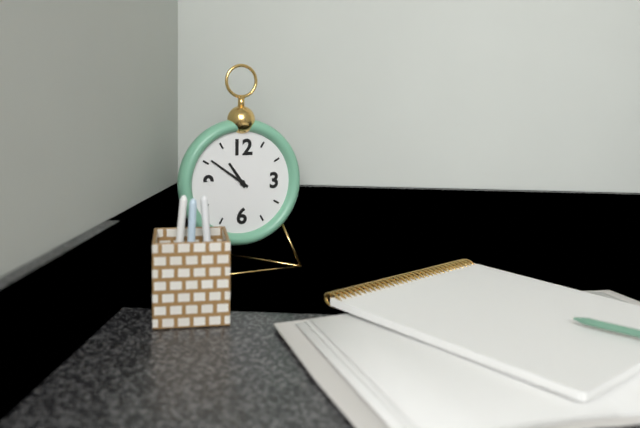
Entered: 10 h 51 min
